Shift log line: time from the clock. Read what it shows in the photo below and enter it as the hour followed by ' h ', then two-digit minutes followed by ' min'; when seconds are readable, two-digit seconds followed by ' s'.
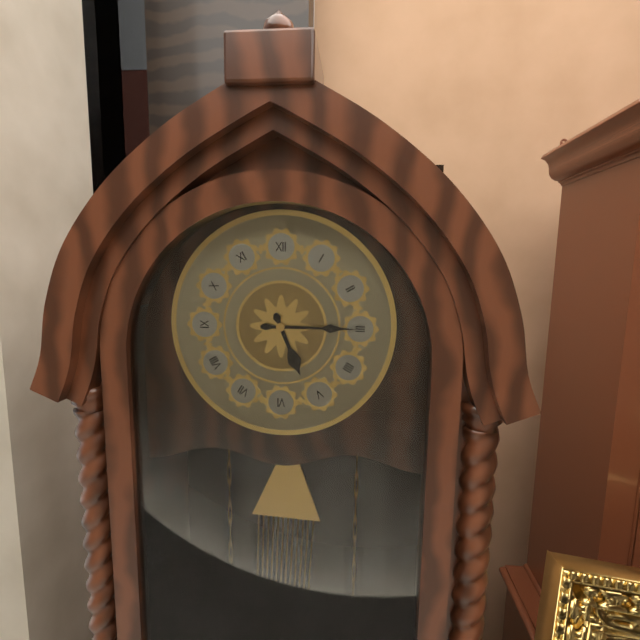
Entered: 5 h 15 min
